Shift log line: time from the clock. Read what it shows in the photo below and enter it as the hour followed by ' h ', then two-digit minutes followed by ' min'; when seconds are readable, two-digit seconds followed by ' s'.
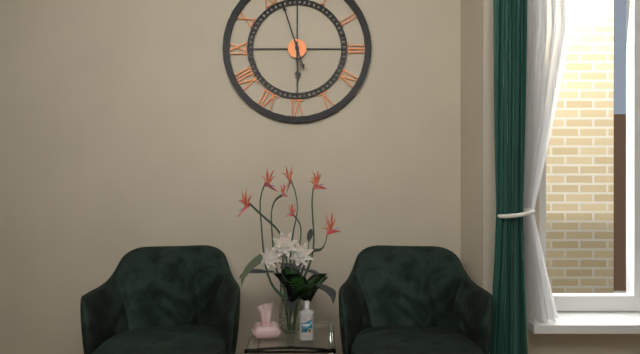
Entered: 5 h 57 min
